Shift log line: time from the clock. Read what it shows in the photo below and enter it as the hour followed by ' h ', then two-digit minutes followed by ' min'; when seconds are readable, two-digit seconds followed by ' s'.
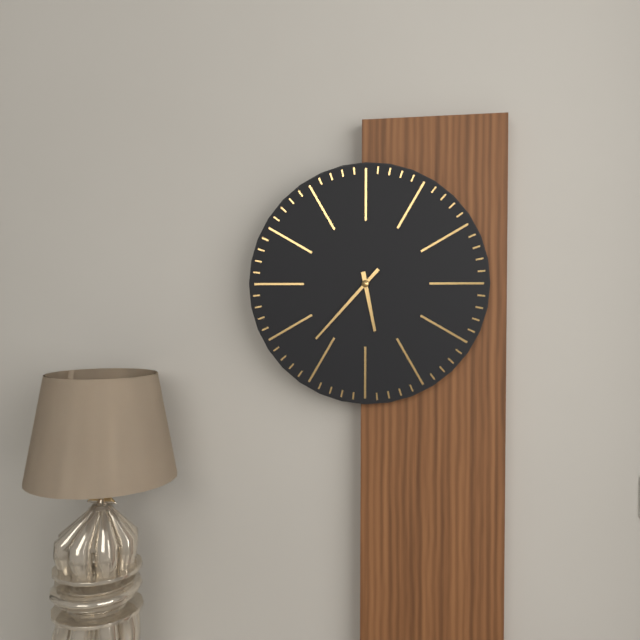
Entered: 5 h 37 min
